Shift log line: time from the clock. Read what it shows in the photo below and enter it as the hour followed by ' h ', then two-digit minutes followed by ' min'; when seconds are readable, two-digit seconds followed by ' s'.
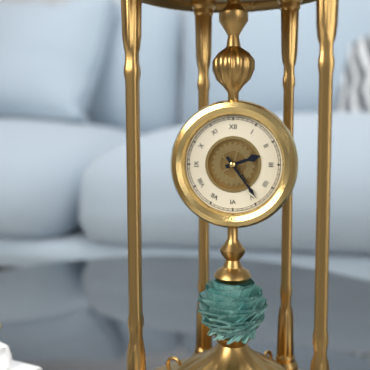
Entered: 2 h 24 min
